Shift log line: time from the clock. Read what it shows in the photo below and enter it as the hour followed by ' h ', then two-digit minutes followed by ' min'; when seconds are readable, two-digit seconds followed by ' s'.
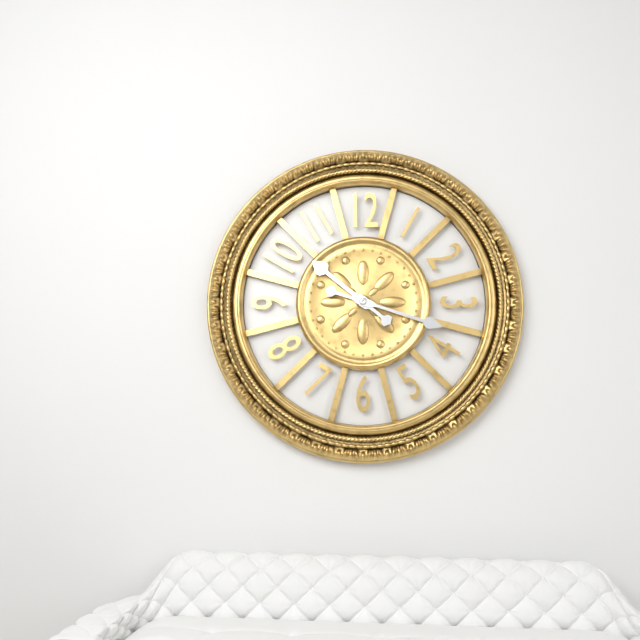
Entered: 10 h 18 min
